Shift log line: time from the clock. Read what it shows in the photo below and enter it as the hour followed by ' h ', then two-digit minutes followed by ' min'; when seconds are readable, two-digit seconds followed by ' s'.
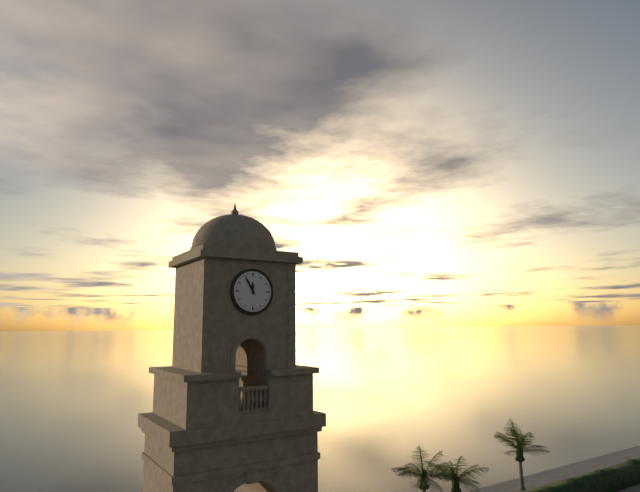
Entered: 11 h 55 min
